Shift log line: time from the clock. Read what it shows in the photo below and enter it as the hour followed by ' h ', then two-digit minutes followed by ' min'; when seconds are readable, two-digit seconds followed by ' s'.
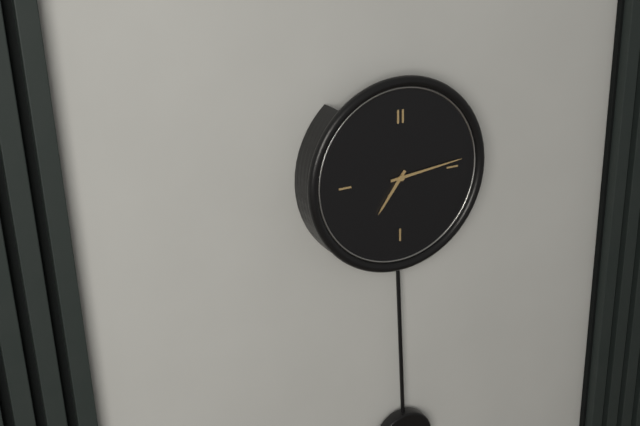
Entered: 7 h 14 min
